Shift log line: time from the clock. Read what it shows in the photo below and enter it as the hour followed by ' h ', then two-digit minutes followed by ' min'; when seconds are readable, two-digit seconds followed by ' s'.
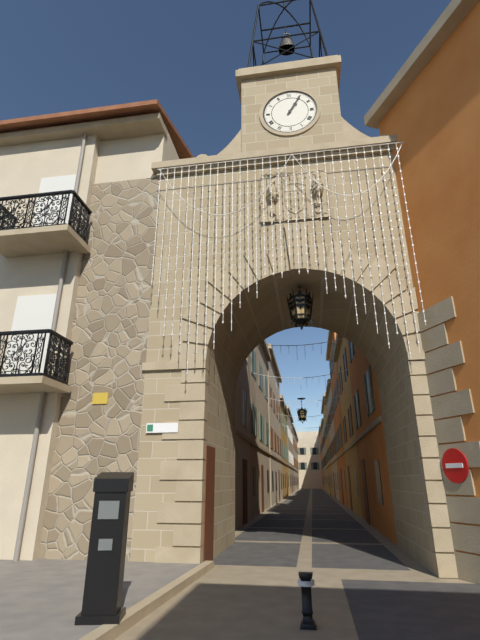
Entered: 1 h 05 min
